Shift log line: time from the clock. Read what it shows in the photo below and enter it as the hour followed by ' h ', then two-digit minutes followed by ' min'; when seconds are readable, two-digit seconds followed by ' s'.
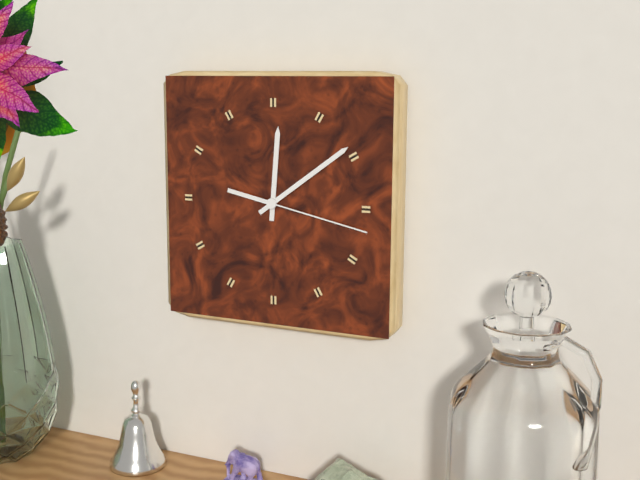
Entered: 12 h 09 min 17 s
